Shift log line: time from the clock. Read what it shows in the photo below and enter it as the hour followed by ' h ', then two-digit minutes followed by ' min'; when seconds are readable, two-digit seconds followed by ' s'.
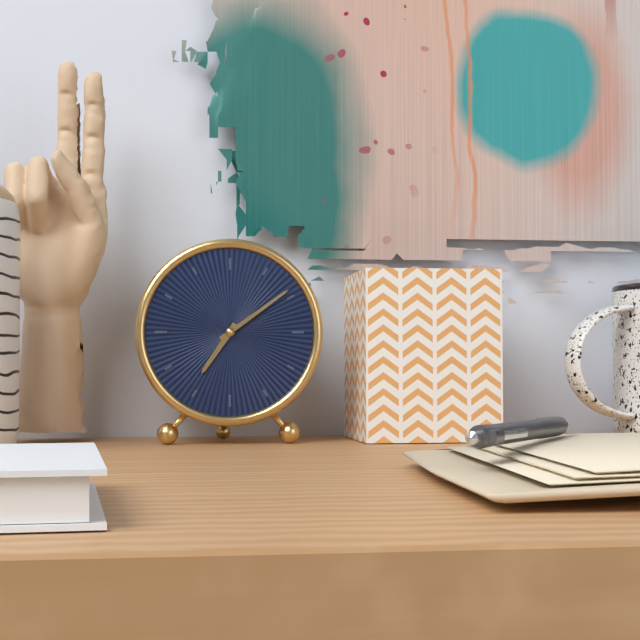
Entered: 7 h 09 min
